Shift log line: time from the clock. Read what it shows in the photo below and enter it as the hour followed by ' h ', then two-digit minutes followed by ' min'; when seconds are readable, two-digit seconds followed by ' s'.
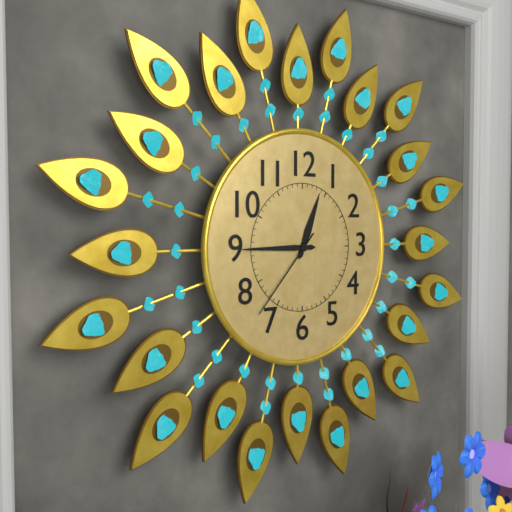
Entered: 12 h 45 min 37 s
